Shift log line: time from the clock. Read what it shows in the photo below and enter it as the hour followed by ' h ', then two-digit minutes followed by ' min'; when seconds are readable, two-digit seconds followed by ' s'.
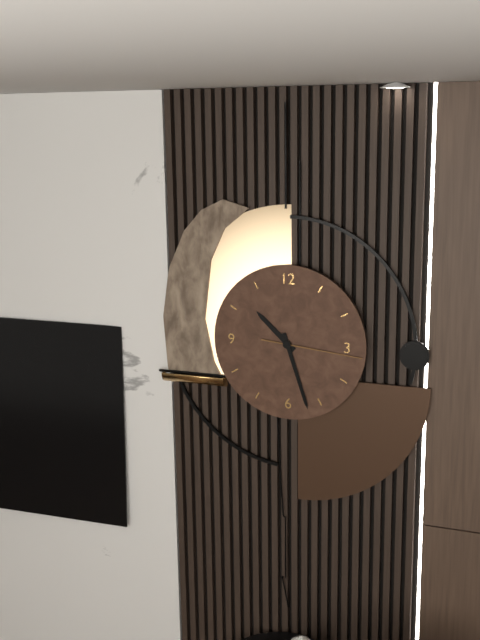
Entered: 10 h 27 min 16 s
